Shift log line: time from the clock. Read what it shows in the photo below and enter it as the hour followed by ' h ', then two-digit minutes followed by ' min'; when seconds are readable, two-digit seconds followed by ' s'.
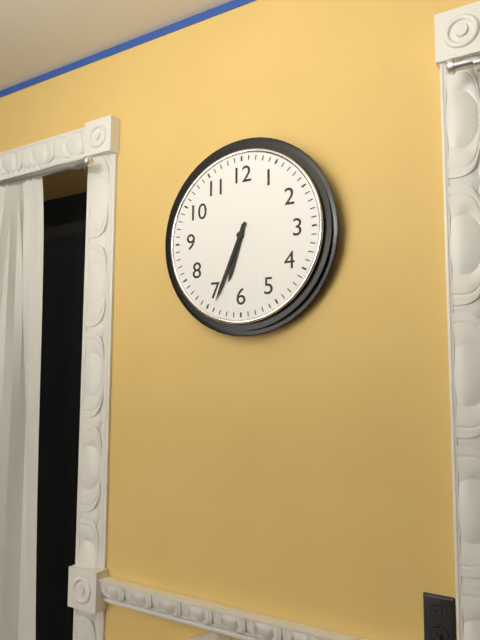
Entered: 6 h 34 min
